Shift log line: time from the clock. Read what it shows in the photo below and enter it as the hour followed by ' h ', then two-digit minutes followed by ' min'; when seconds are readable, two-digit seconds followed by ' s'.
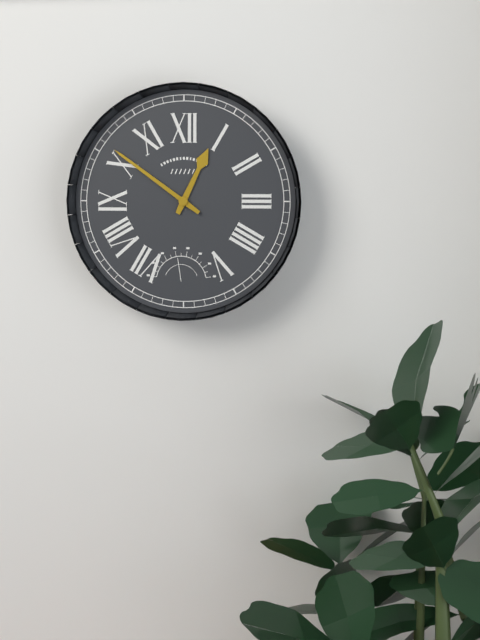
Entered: 12 h 51 min
